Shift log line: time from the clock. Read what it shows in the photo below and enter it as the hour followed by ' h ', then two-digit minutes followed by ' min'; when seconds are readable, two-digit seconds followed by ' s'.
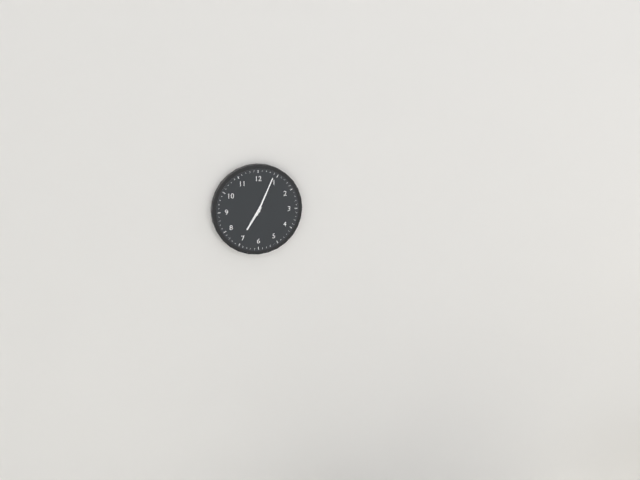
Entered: 7 h 04 min
